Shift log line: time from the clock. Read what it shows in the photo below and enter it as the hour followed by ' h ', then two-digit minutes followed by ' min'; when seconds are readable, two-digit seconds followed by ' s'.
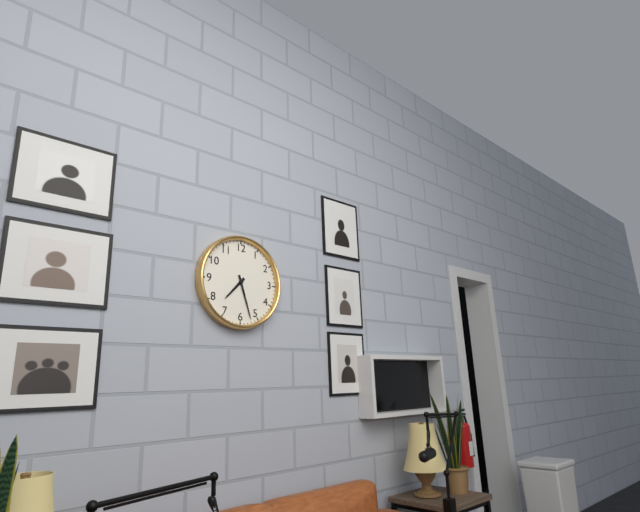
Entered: 7 h 27 min
